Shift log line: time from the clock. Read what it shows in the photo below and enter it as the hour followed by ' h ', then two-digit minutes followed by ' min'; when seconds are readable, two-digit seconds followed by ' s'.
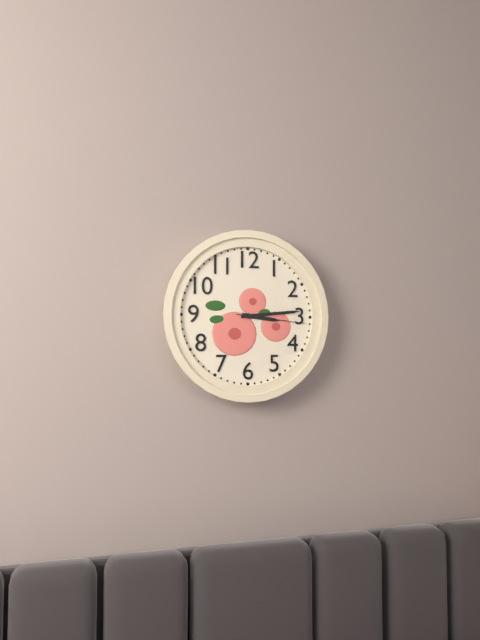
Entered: 3 h 14 min 16 s
